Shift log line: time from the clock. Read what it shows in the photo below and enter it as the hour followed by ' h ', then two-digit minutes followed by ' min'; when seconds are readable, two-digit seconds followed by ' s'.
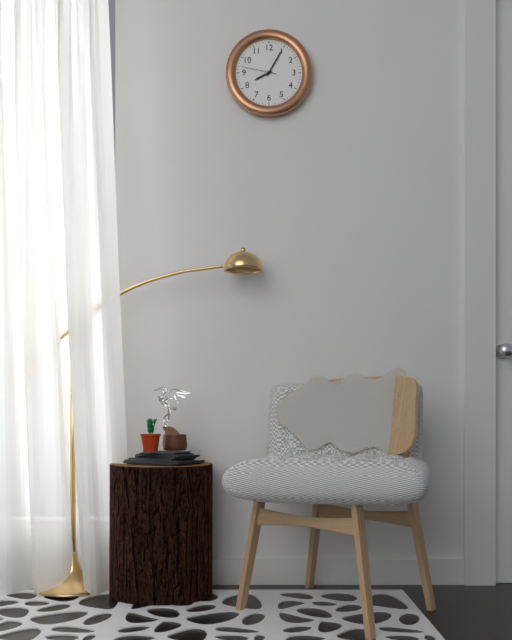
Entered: 8 h 05 min
